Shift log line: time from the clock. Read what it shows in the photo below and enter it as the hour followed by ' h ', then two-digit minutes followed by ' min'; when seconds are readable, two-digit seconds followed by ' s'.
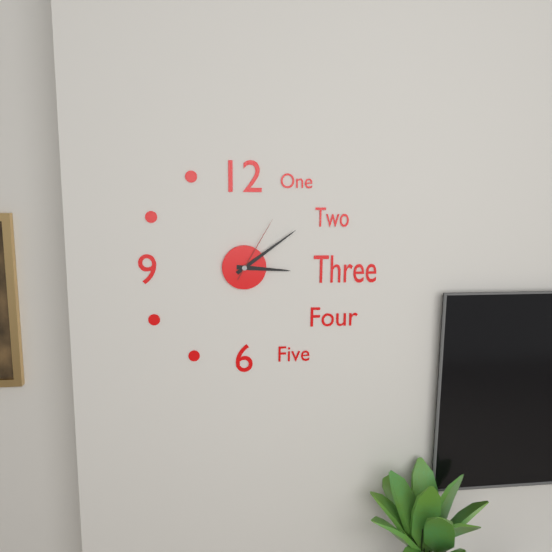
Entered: 3 h 09 min 05 s
